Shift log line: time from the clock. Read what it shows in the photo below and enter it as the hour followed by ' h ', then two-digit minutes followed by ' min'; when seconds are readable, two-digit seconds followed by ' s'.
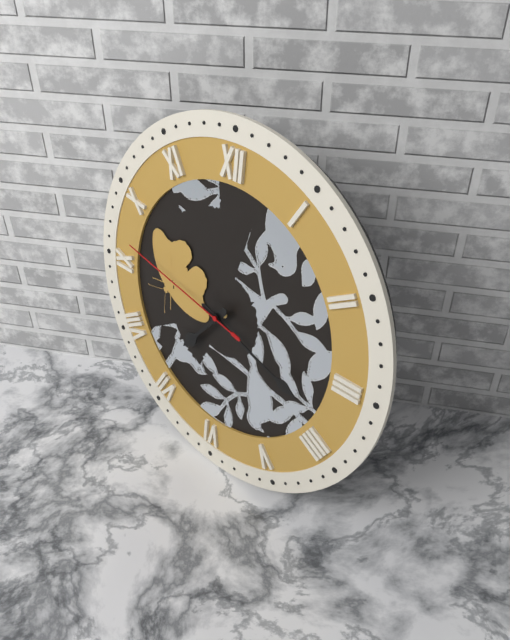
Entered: 7 h 18 min 47 s
